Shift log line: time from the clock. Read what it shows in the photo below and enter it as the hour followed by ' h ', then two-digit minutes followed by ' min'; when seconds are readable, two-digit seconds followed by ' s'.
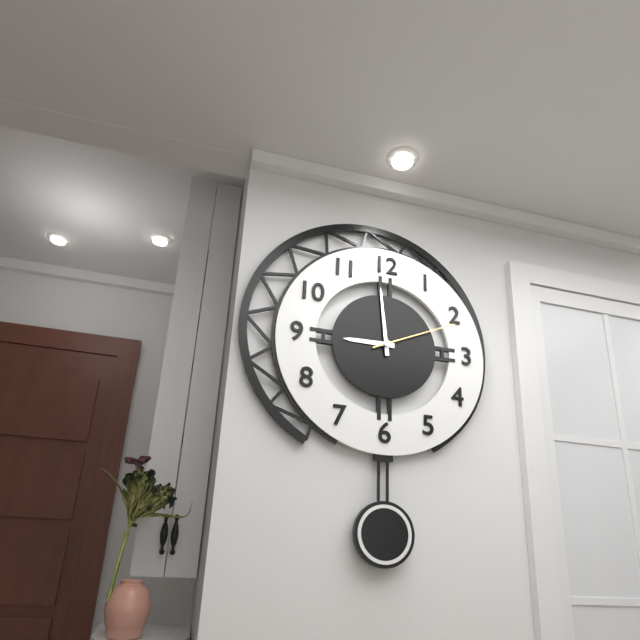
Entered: 8 h 59 min 11 s
